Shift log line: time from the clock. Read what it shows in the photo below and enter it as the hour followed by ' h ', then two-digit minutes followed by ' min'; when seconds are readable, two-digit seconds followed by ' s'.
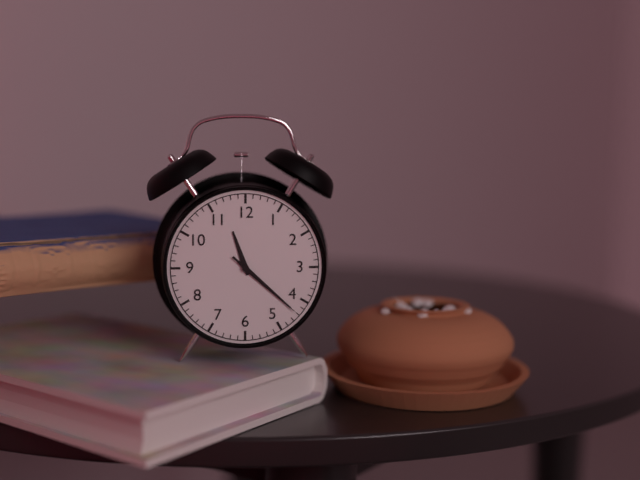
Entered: 11 h 22 min 22 s
